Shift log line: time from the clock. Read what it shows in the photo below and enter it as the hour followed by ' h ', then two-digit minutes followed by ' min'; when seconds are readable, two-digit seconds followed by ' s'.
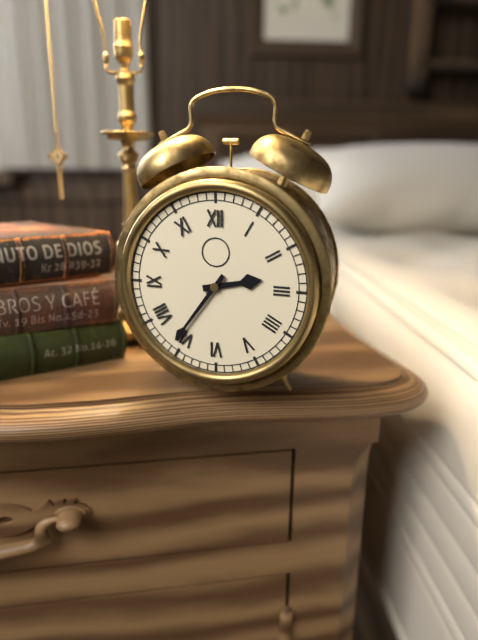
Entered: 2 h 36 min
